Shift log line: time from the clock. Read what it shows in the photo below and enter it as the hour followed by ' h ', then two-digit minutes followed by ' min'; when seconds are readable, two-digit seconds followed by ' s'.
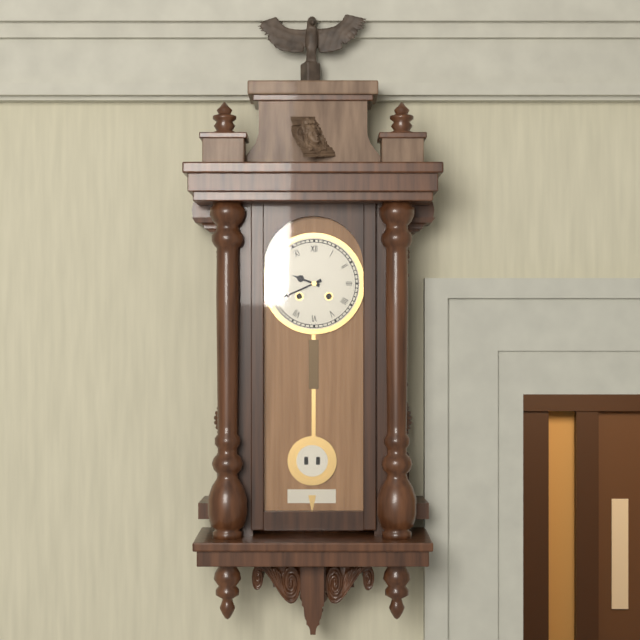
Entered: 9 h 41 min
